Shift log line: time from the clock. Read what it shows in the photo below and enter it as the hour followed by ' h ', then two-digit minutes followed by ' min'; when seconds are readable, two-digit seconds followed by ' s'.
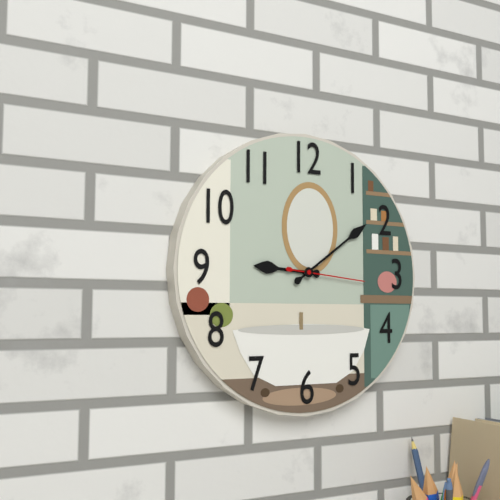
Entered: 9 h 09 min 16 s
